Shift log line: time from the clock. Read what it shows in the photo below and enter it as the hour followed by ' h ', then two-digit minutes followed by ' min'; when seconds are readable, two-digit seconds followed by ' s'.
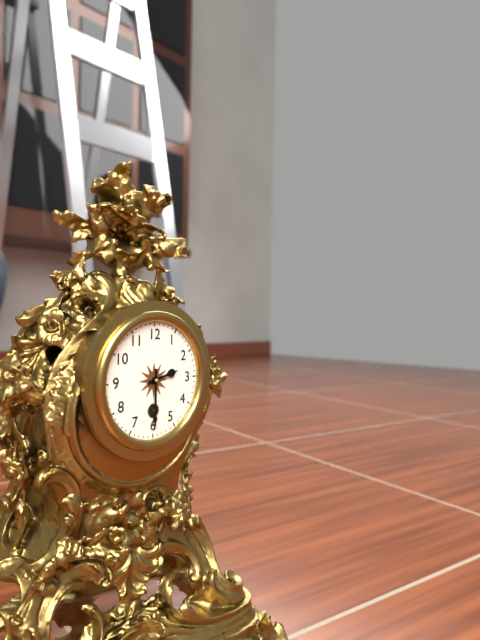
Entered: 2 h 30 min
